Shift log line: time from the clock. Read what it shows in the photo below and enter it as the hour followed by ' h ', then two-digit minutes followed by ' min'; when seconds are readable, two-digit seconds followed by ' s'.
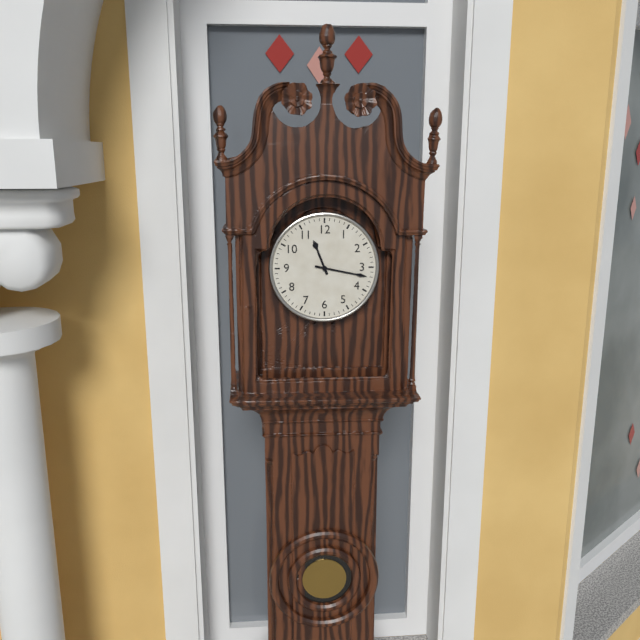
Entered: 11 h 17 min
